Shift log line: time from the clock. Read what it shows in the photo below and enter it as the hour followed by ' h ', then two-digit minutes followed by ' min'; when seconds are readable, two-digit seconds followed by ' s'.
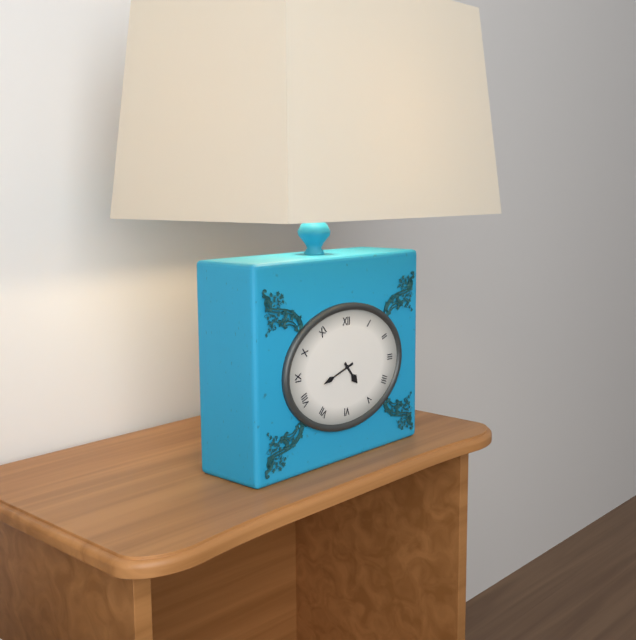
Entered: 4 h 42 min
